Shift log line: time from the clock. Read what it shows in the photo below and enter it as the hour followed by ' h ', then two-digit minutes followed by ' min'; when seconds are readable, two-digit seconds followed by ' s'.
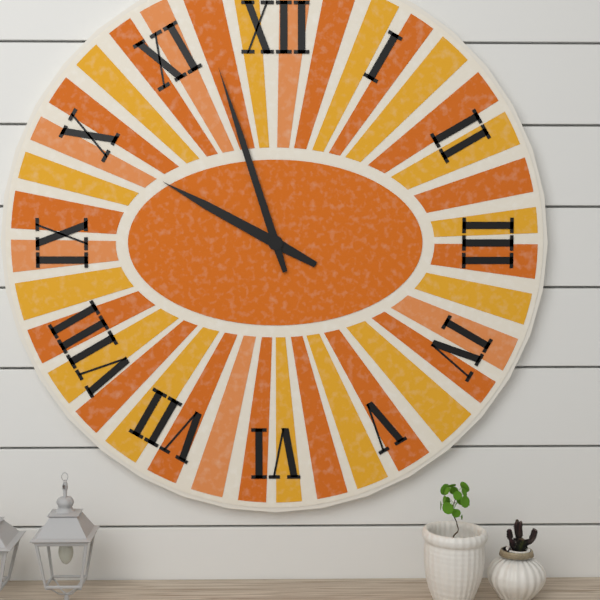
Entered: 9 h 57 min
